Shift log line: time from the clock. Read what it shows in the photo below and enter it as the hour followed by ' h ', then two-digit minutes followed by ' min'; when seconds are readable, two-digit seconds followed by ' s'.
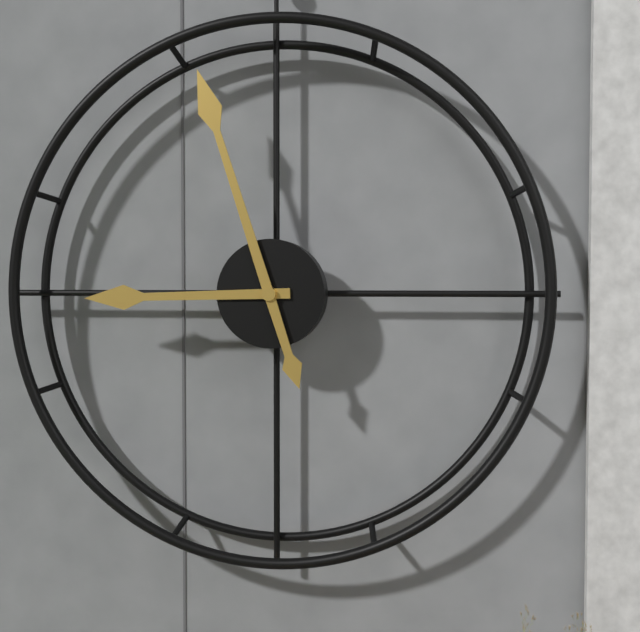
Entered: 8 h 57 min
